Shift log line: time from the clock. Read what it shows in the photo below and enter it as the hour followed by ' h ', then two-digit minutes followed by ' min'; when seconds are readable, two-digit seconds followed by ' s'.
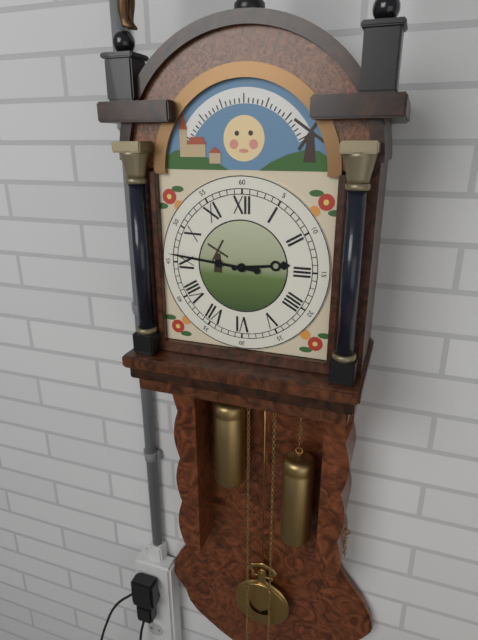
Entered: 2 h 46 min
